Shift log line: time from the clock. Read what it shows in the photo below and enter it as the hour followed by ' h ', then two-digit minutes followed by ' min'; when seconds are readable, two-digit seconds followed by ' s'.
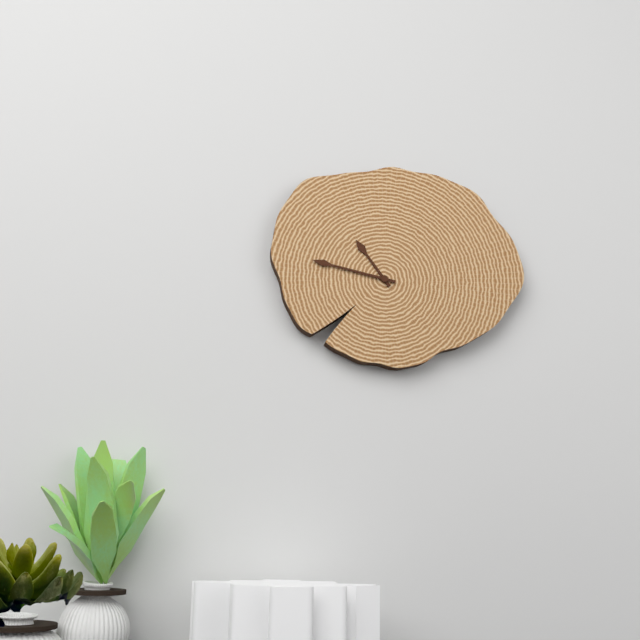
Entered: 10 h 47 min
